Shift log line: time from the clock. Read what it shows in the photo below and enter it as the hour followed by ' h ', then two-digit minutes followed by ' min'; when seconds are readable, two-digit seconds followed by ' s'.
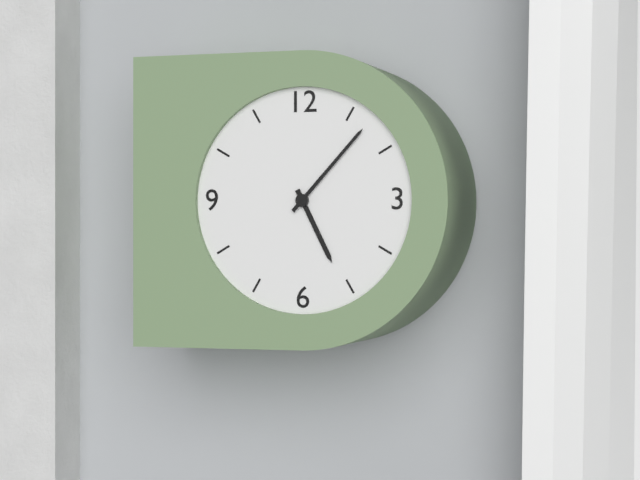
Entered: 5 h 07 min
